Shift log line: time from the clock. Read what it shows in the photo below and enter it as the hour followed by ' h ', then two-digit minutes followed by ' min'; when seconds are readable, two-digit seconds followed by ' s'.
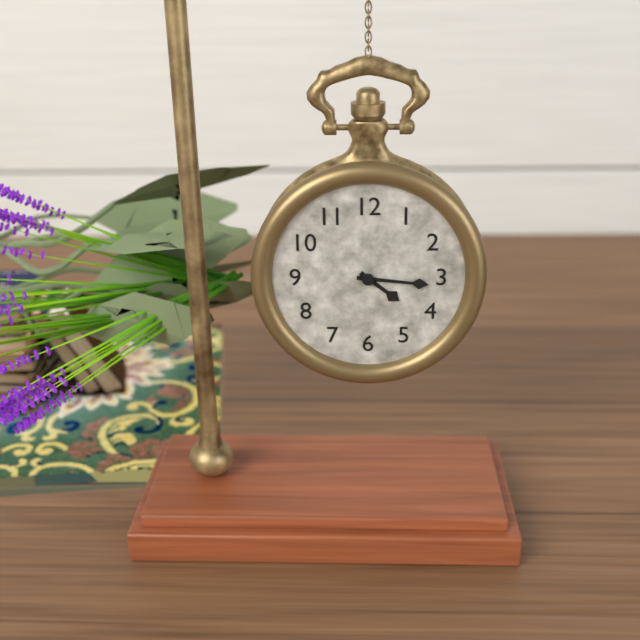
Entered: 4 h 16 min
